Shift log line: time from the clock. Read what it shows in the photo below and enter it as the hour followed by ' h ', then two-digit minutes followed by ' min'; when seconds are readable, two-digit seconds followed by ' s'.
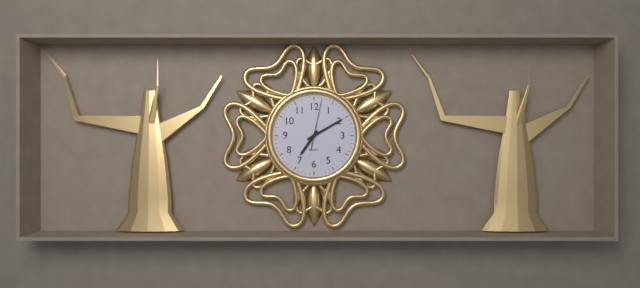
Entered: 7 h 10 min
